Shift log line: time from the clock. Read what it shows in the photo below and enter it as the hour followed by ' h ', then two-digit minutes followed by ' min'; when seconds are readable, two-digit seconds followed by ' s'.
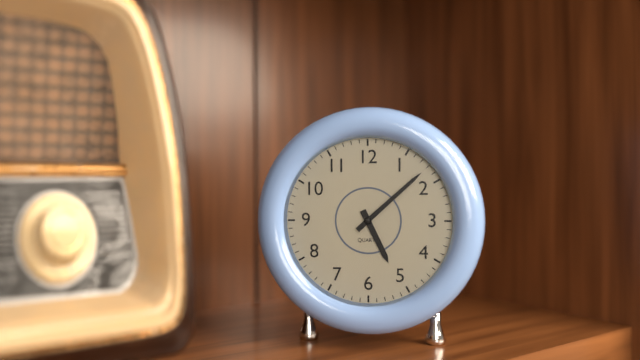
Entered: 5 h 08 min
